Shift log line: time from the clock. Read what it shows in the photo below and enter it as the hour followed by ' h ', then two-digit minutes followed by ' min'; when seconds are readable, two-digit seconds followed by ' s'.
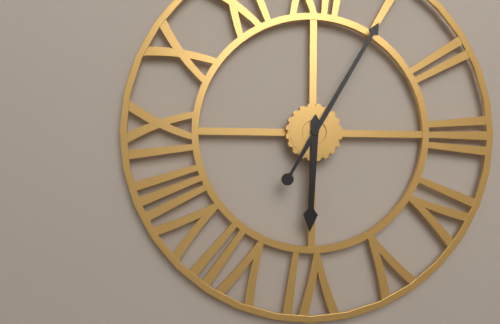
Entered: 6 h 05 min
